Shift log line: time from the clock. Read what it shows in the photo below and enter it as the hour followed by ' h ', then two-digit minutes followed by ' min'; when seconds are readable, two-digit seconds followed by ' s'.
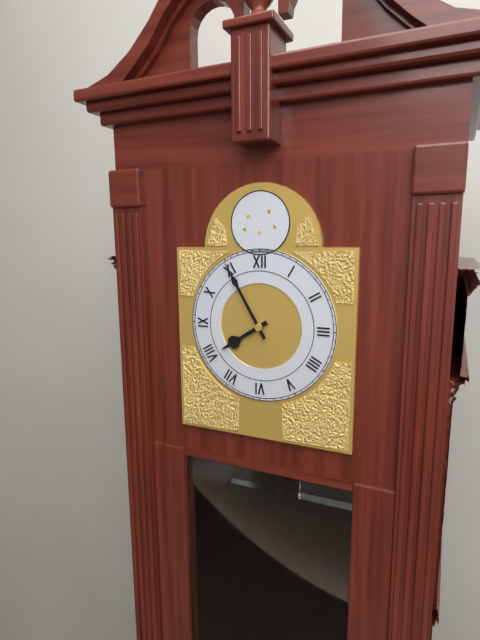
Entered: 7 h 55 min
